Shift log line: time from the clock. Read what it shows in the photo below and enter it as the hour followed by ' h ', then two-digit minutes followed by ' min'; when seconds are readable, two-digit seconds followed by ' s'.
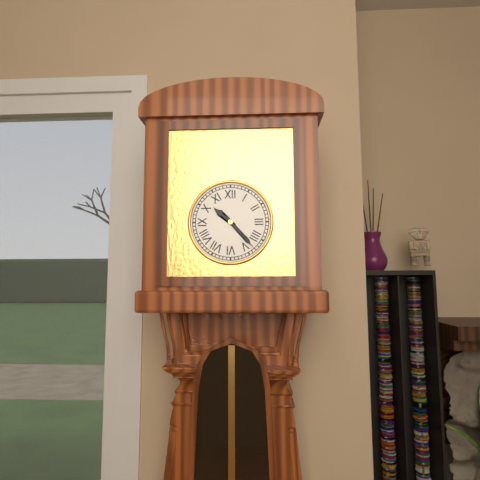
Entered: 10 h 23 min
